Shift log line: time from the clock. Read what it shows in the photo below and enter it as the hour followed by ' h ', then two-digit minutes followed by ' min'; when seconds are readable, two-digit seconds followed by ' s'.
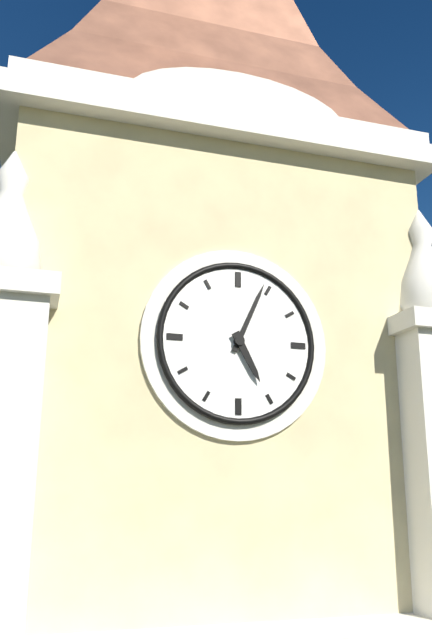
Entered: 5 h 04 min
